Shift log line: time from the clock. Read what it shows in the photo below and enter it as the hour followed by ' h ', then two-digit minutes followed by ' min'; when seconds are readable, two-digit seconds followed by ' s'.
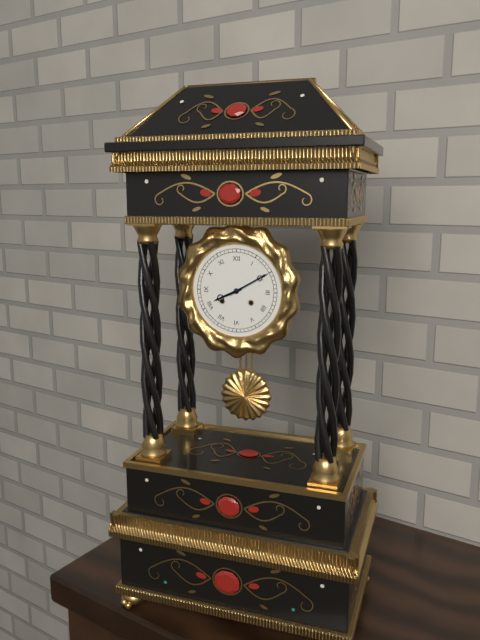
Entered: 8 h 10 min
